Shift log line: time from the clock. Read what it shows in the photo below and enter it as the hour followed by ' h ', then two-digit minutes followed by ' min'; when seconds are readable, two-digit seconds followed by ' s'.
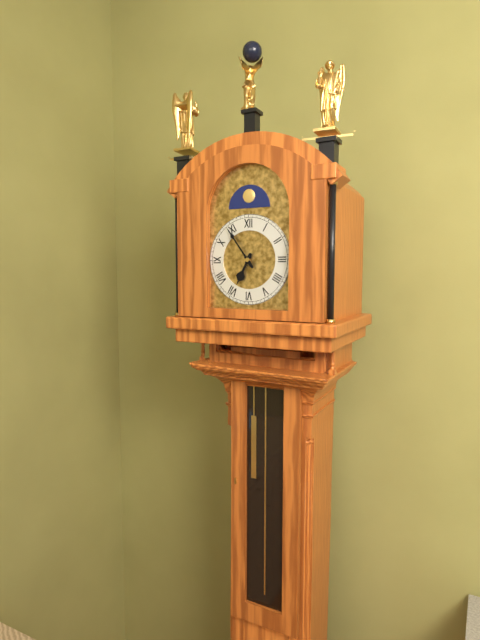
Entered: 6 h 54 min
